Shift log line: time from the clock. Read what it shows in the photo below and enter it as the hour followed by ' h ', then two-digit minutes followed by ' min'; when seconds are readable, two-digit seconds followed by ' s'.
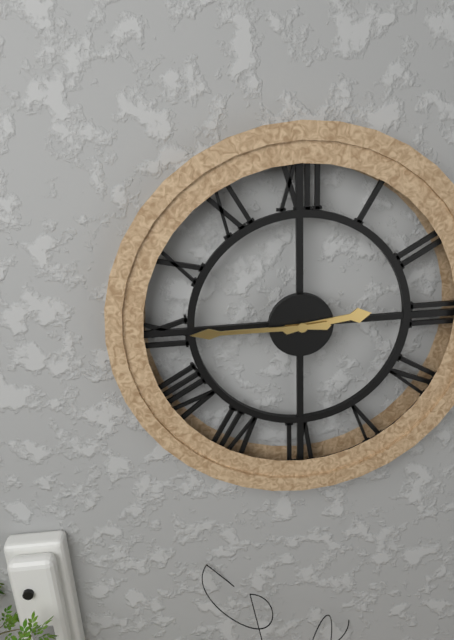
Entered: 2 h 45 min
